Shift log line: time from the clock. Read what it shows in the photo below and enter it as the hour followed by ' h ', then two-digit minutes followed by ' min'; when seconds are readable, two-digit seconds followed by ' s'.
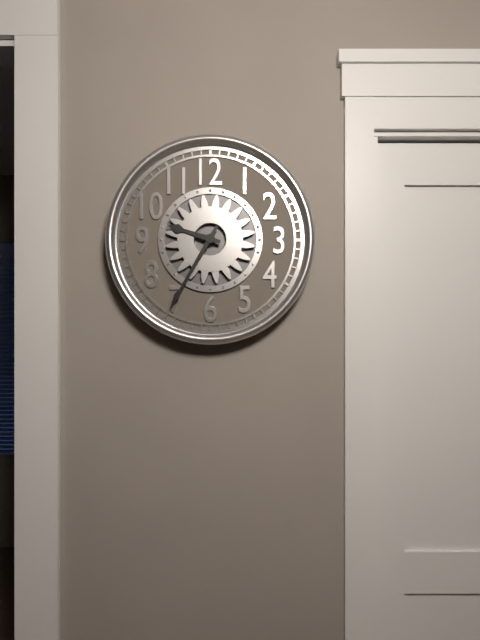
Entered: 9 h 35 min
